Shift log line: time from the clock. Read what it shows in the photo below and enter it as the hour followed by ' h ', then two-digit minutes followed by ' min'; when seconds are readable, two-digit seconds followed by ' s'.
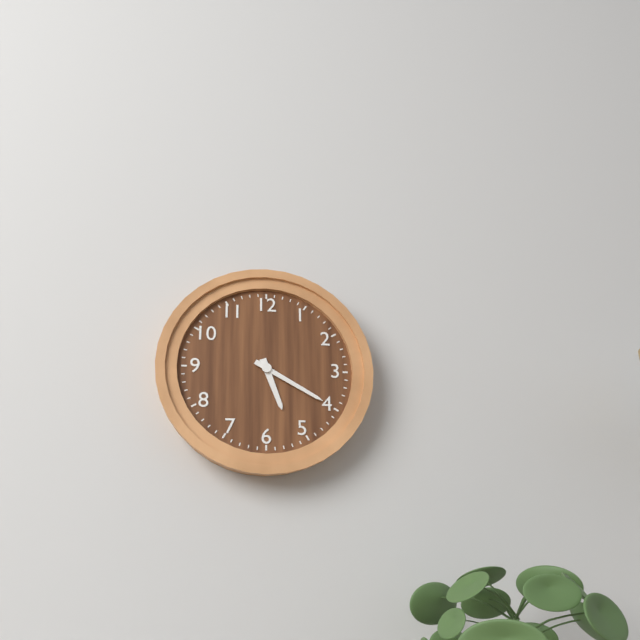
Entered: 5 h 20 min
